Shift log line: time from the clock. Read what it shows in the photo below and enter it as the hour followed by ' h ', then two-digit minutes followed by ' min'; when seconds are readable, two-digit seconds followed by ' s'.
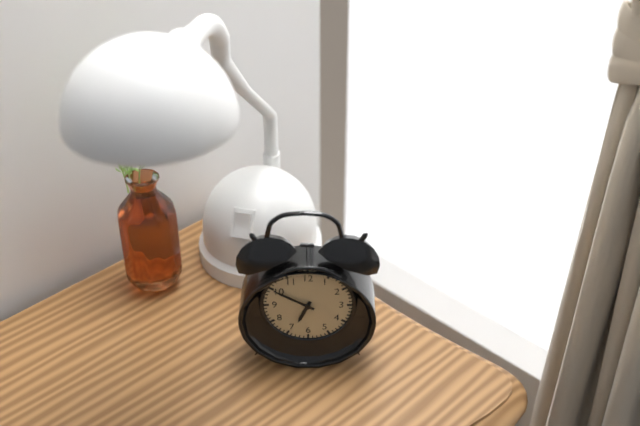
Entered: 6 h 50 min
